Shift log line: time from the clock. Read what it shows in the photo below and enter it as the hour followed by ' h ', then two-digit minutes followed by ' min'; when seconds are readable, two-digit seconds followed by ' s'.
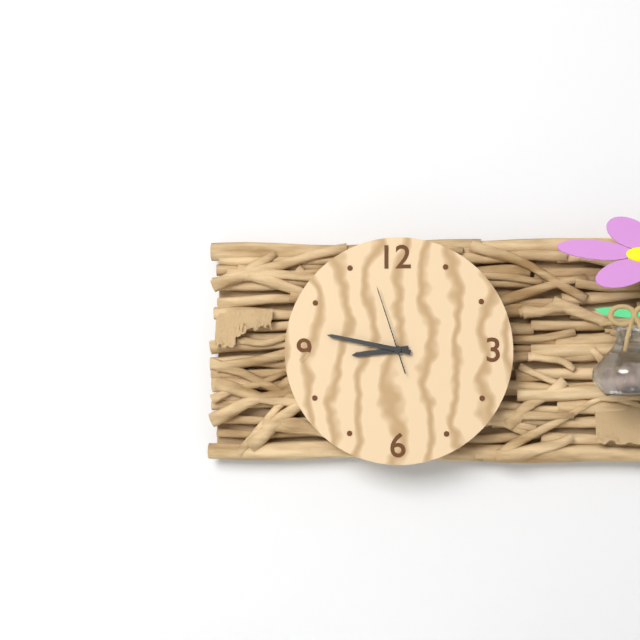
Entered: 8 h 47 min 57 s
